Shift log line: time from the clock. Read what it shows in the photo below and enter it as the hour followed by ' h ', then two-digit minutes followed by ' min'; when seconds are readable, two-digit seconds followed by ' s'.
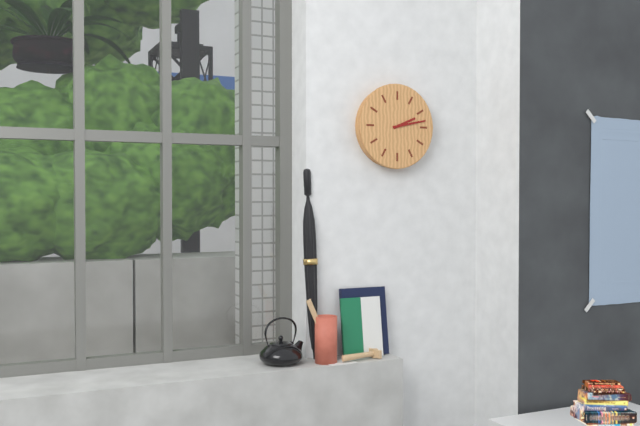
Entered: 2 h 13 min
